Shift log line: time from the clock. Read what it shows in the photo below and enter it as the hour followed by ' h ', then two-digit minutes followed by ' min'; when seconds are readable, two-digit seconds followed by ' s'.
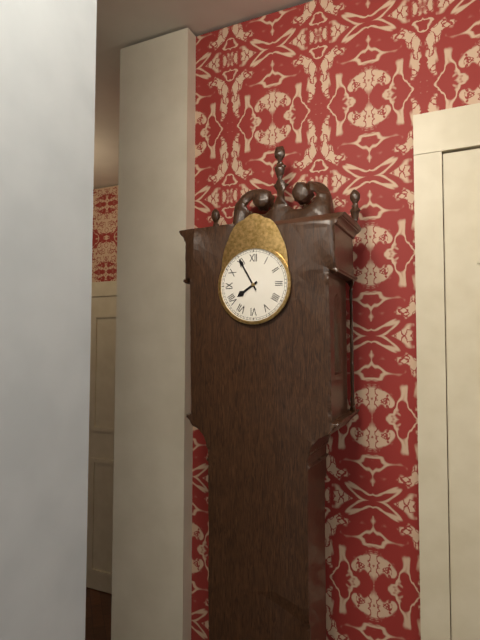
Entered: 7 h 55 min
